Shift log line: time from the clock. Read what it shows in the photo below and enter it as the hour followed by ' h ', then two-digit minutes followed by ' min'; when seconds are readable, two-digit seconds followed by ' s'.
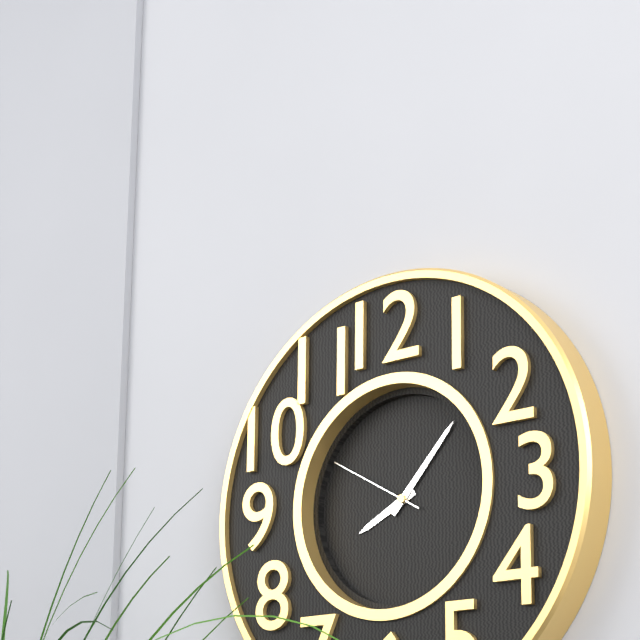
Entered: 8 h 07 min 50 s
